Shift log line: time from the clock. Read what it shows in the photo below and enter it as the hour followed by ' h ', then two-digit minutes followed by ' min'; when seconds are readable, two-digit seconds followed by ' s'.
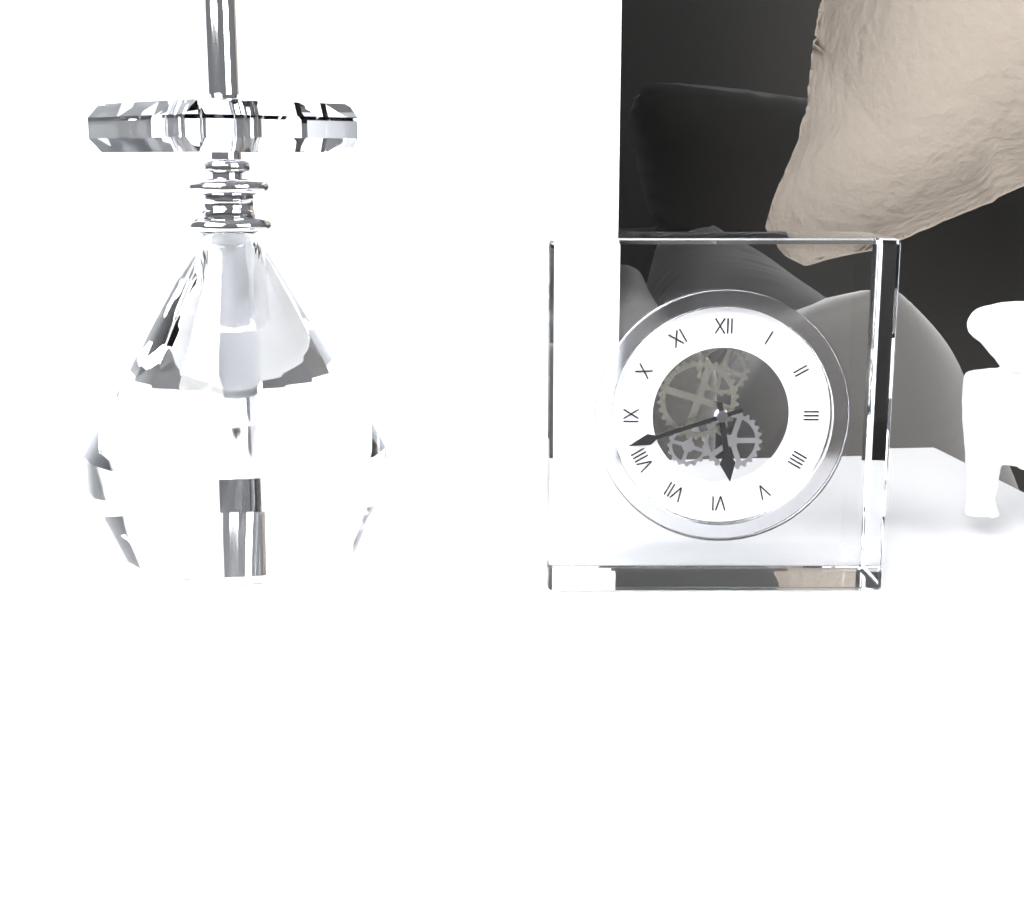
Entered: 5 h 42 min
